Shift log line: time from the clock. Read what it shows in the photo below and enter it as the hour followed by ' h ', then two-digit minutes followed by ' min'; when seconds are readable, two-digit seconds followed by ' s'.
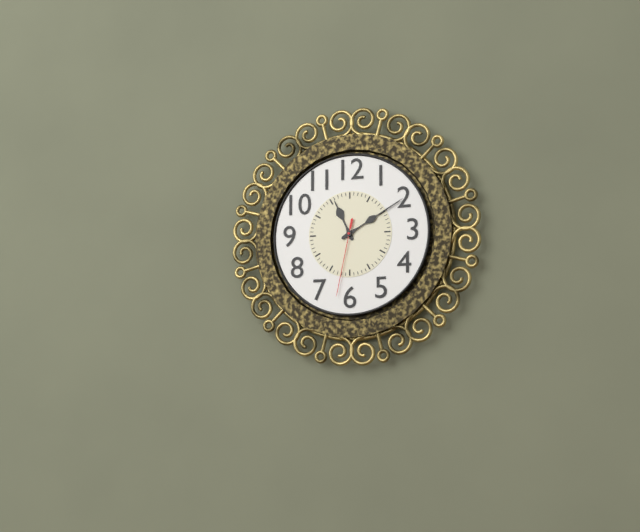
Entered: 11 h 10 min 32 s
